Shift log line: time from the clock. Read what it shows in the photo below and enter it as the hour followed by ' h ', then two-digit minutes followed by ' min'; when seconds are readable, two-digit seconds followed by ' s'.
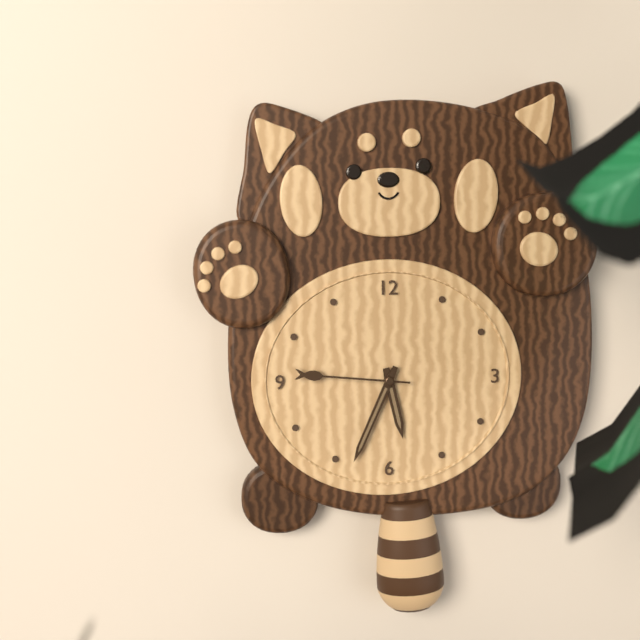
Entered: 5 h 34 min 46 s
